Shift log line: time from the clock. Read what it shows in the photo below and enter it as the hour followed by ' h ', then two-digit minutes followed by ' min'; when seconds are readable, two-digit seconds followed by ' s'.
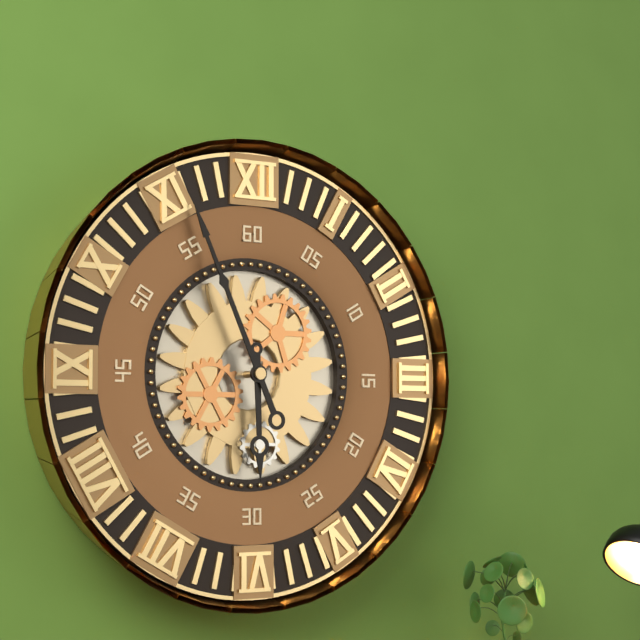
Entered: 5 h 56 min
